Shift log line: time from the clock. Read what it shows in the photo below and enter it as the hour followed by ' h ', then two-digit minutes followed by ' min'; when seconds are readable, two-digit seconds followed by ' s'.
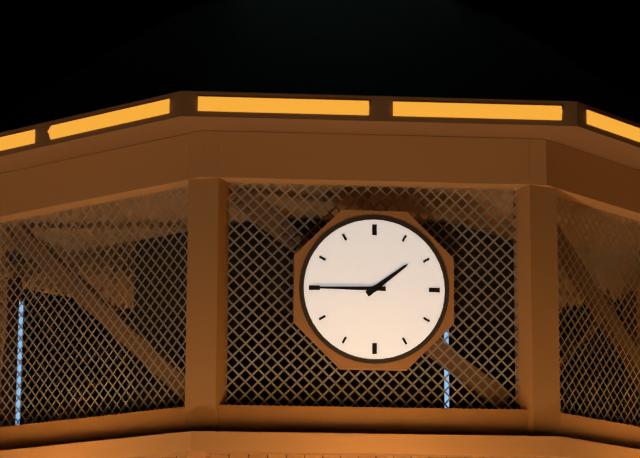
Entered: 1 h 45 min
